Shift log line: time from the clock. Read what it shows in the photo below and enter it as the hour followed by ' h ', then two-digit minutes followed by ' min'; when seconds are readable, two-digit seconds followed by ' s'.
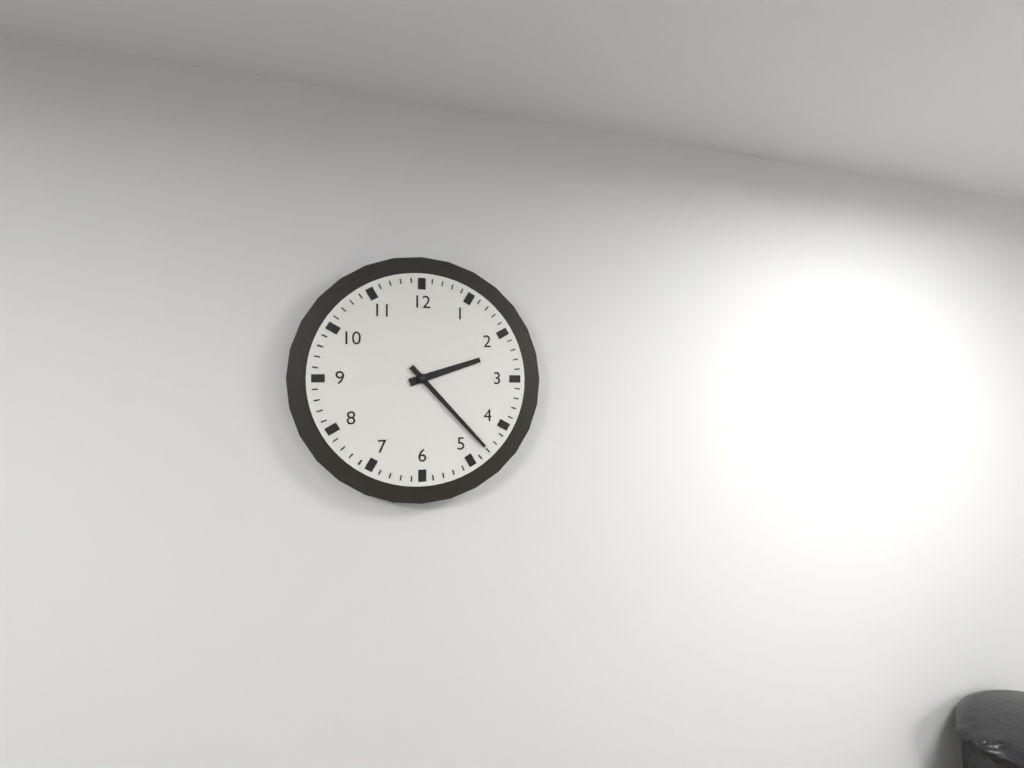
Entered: 2 h 23 min
